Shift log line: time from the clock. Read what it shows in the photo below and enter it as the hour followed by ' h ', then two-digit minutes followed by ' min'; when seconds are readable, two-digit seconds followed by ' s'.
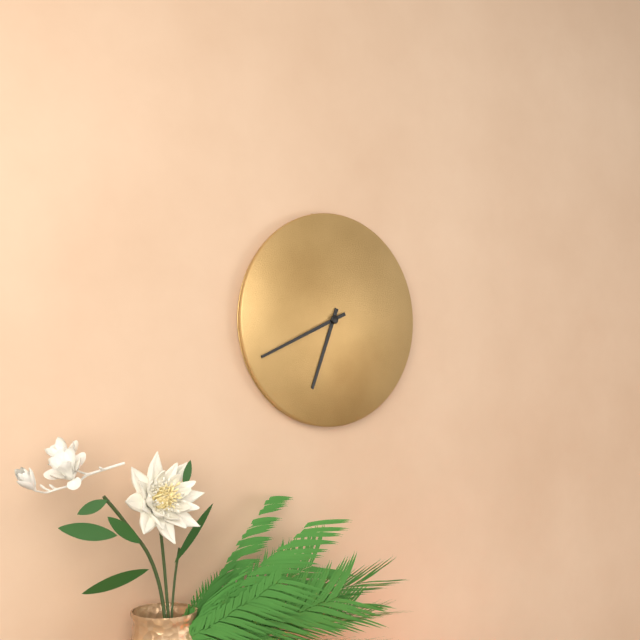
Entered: 6 h 41 min
